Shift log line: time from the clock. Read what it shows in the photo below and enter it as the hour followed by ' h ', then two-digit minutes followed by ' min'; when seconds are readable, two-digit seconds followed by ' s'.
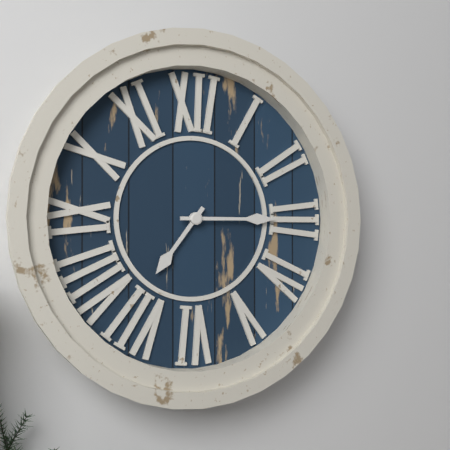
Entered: 7 h 15 min
